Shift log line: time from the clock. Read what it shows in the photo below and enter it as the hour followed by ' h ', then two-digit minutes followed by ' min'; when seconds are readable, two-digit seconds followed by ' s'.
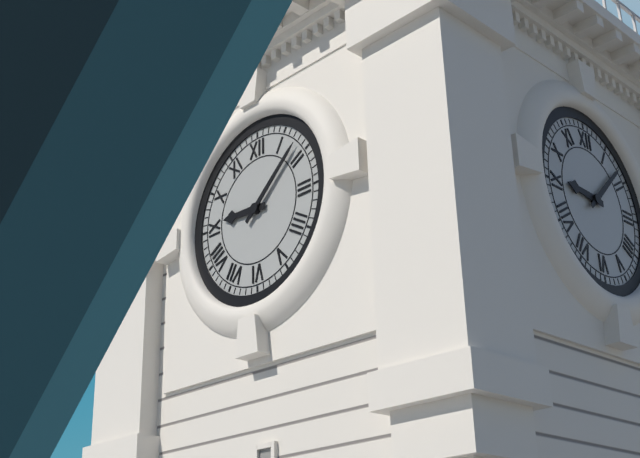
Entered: 9 h 08 min
